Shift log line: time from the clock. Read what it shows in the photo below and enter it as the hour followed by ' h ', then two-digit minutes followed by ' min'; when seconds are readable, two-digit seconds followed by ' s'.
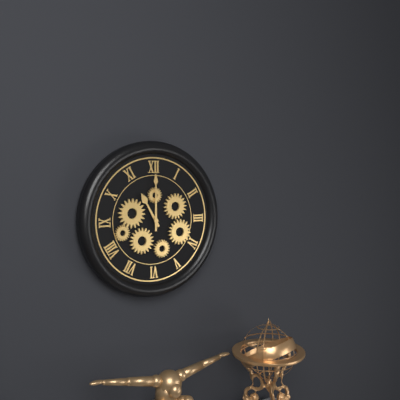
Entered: 11 h 00 min
